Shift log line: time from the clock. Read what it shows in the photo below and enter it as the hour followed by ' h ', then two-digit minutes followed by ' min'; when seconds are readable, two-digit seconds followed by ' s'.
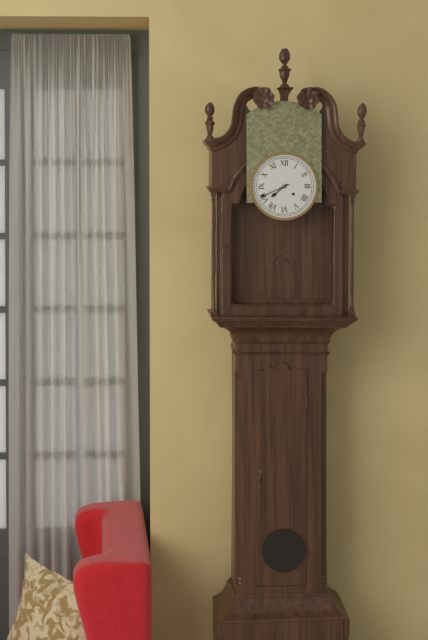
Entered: 7 h 41 min
